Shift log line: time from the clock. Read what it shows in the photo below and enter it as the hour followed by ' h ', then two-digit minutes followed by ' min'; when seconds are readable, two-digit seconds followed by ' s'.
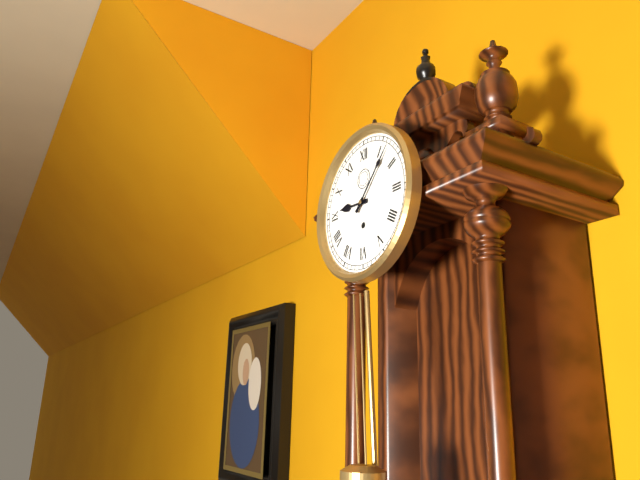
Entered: 9 h 07 min
